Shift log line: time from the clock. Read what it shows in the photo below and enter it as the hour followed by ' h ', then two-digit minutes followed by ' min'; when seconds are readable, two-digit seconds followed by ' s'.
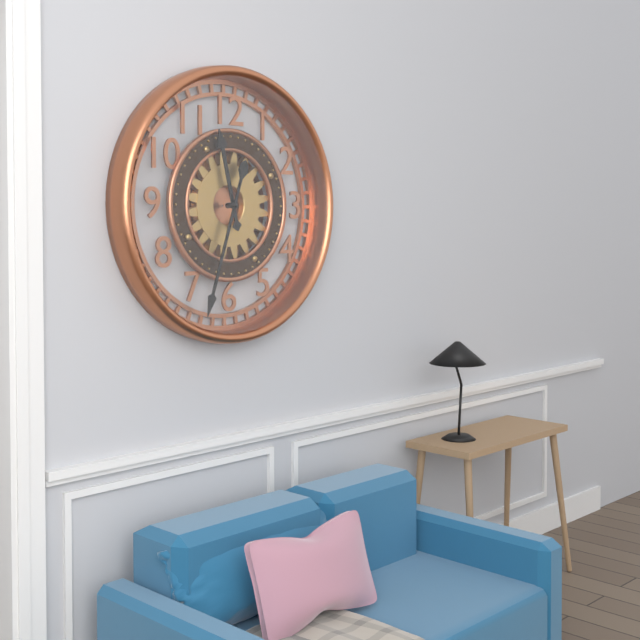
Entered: 11 h 33 min
